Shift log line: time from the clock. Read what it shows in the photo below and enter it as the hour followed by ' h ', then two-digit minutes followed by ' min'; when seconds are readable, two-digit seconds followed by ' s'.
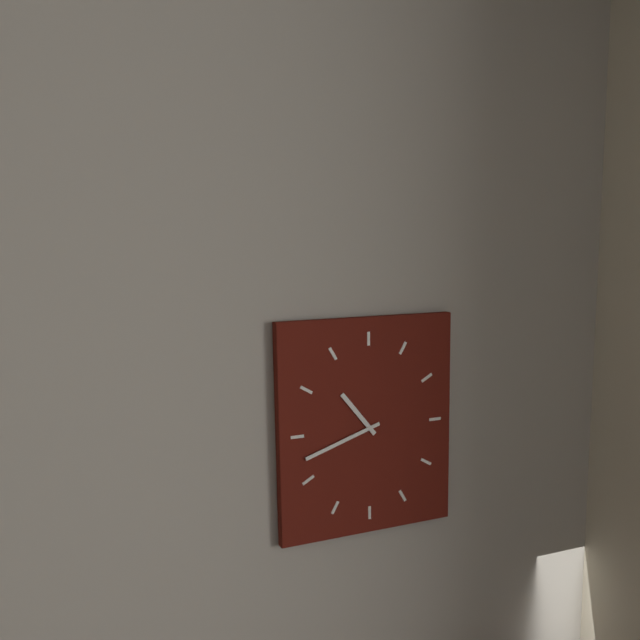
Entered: 10 h 42 min
